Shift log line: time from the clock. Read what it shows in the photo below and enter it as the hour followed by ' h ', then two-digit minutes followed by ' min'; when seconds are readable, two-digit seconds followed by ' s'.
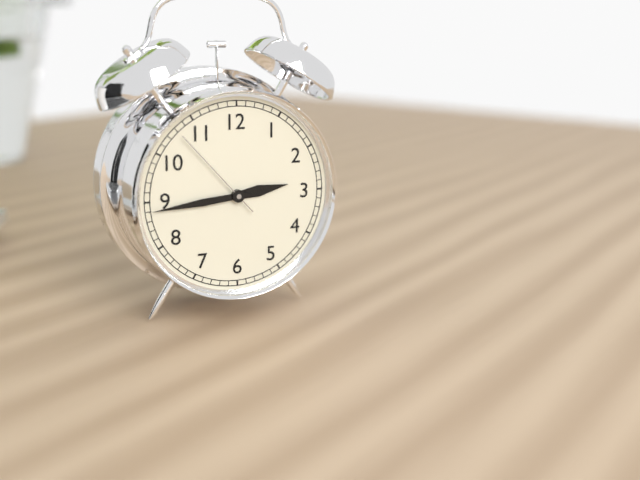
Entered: 2 h 44 min 53 s
